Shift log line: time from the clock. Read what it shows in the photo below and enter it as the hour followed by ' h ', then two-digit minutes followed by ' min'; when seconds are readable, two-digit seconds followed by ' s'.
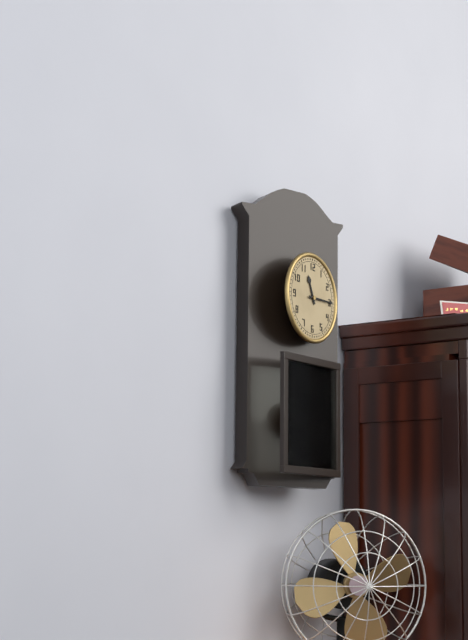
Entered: 11 h 15 min
